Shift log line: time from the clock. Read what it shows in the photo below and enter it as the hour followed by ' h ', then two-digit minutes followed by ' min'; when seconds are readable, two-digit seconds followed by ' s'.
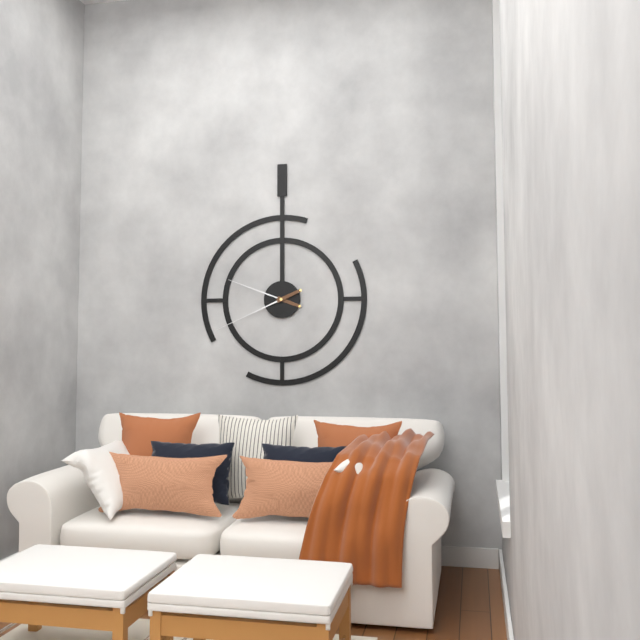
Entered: 9 h 41 min
